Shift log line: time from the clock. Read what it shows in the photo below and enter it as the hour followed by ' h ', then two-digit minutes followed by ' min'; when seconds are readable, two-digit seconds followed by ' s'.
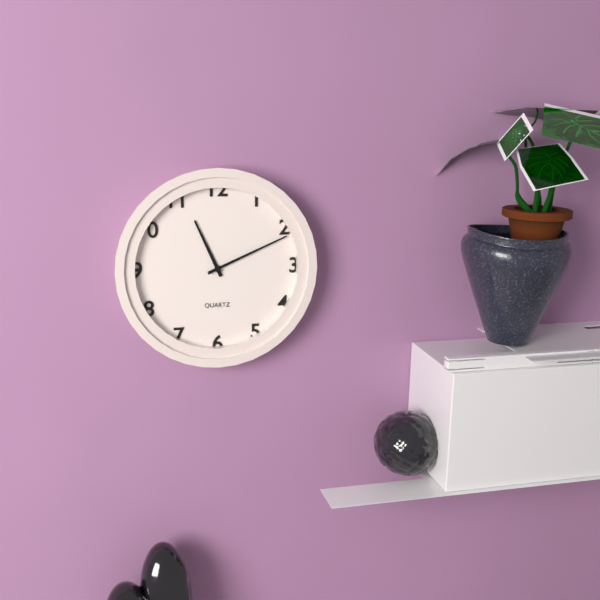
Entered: 11 h 11 min
